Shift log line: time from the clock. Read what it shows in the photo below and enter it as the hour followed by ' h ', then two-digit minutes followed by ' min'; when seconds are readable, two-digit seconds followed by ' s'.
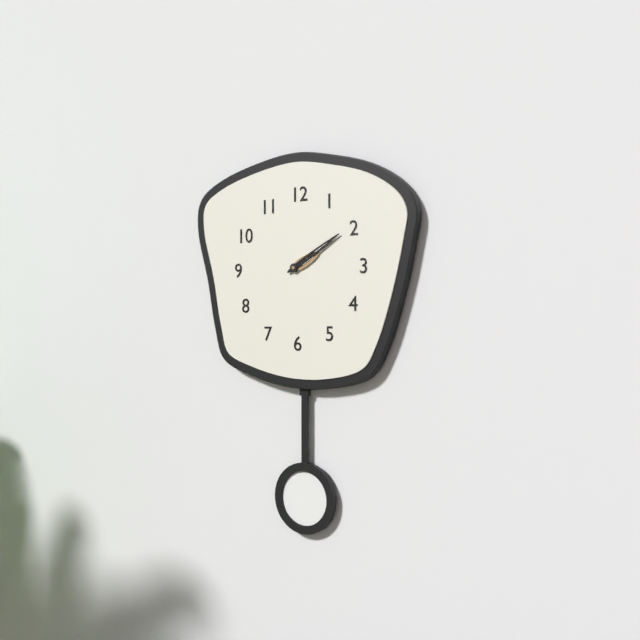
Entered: 2 h 10 min
